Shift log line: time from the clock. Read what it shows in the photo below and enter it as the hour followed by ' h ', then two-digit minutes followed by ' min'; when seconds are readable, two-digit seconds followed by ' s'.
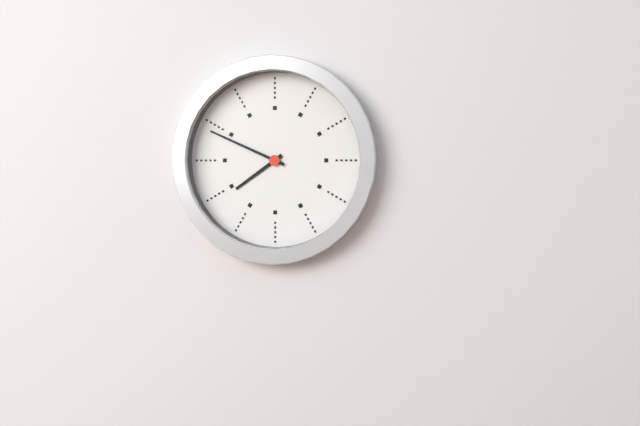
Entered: 7 h 49 min
